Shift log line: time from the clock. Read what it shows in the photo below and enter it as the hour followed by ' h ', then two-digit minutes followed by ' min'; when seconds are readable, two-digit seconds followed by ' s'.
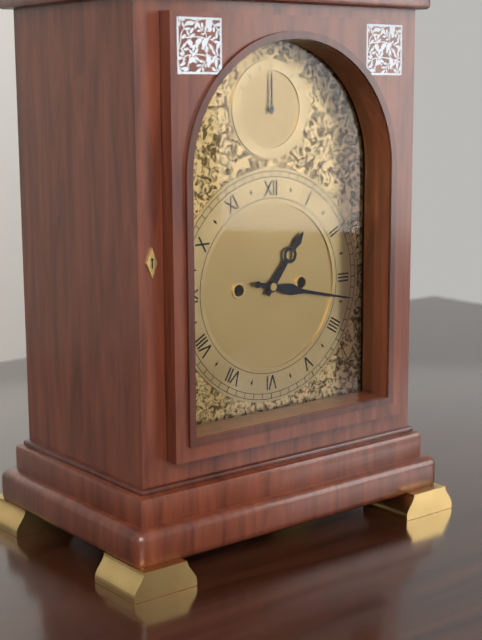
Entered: 1 h 17 min
